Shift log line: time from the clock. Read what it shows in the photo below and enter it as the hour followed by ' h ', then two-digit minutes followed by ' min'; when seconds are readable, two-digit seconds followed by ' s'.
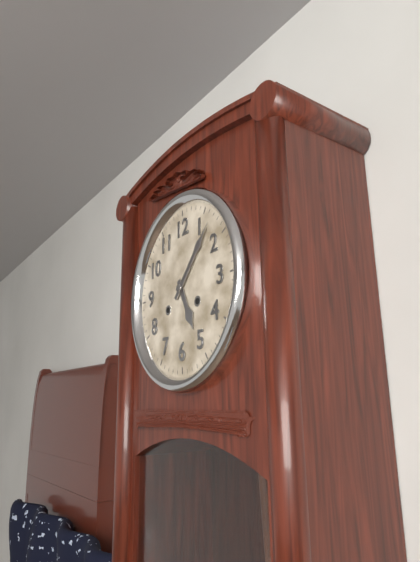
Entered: 5 h 07 min
